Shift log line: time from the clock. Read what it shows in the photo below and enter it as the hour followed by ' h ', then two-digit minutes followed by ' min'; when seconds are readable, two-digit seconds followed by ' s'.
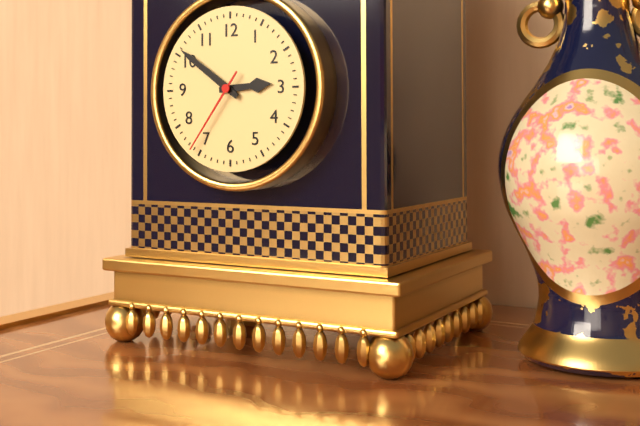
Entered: 2 h 51 min 36 s
